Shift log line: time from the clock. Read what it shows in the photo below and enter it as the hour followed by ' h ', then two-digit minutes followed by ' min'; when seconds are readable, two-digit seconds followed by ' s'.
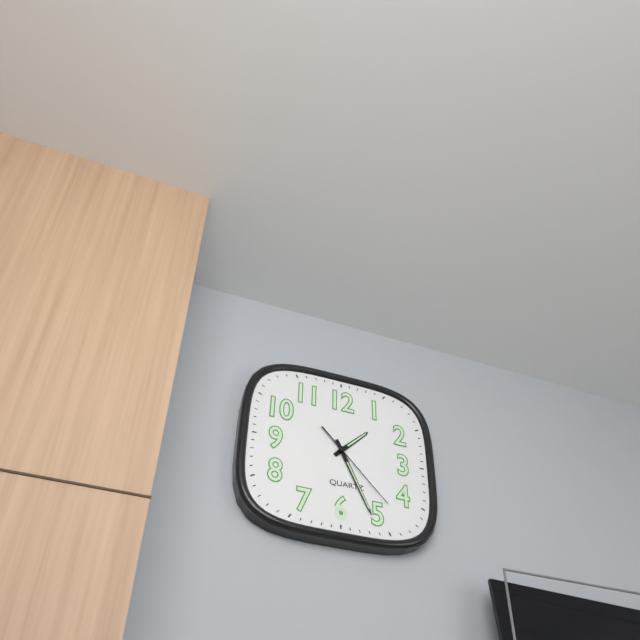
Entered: 1 h 26 min 23 s
